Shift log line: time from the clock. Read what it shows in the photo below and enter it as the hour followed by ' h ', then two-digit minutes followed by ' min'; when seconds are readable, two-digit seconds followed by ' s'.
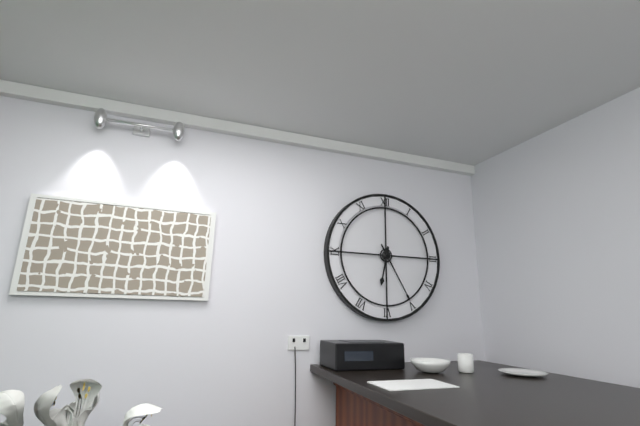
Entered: 6 h 25 min
